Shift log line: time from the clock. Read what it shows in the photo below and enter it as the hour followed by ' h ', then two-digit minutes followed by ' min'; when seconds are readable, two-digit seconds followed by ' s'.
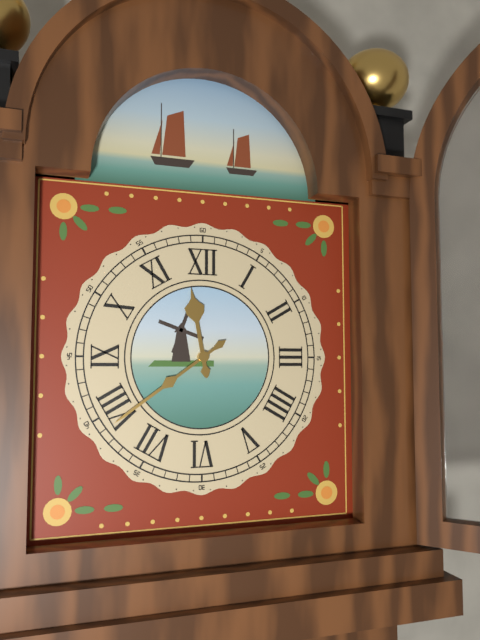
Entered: 11 h 39 min
